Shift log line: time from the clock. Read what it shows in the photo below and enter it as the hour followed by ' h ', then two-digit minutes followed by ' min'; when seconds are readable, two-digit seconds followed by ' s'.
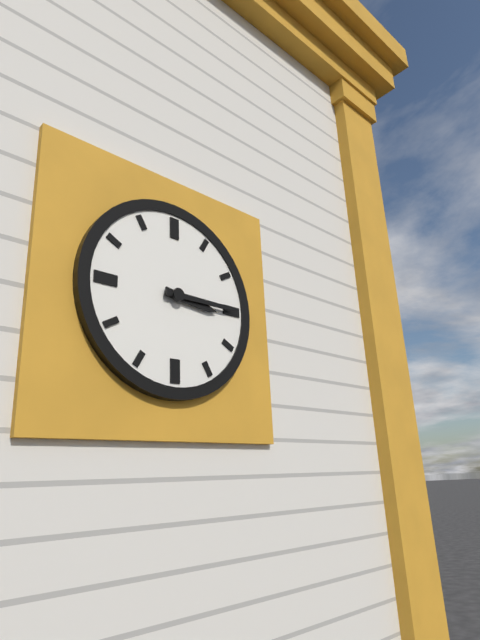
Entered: 3 h 15 min
